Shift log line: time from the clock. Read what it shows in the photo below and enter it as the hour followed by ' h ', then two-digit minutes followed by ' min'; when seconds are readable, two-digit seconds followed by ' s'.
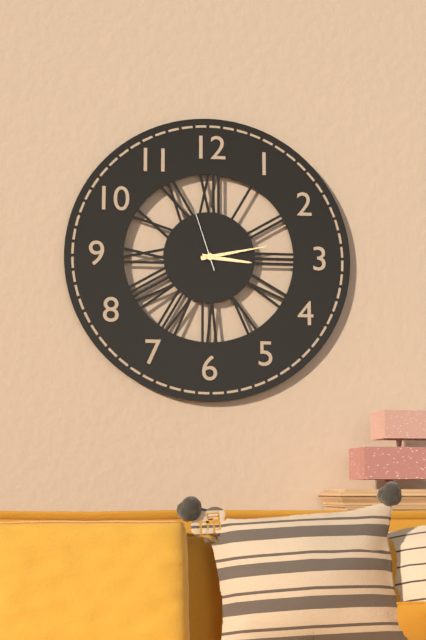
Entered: 3 h 13 min 57 s
